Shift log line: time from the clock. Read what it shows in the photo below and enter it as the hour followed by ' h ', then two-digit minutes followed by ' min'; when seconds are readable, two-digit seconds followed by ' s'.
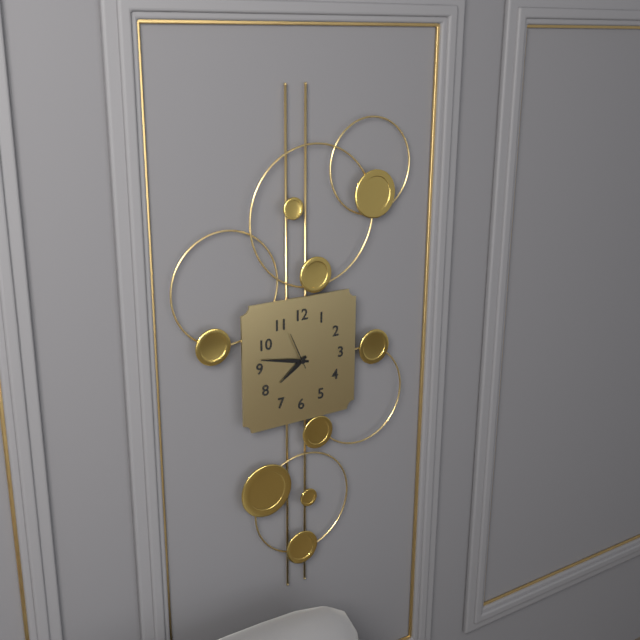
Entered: 7 h 47 min
